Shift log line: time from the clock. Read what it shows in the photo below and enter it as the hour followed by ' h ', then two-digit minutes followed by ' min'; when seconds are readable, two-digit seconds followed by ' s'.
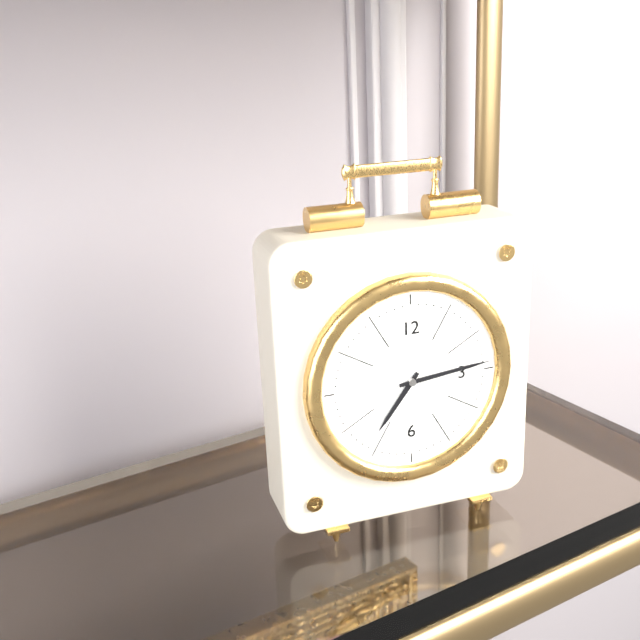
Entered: 7 h 14 min
